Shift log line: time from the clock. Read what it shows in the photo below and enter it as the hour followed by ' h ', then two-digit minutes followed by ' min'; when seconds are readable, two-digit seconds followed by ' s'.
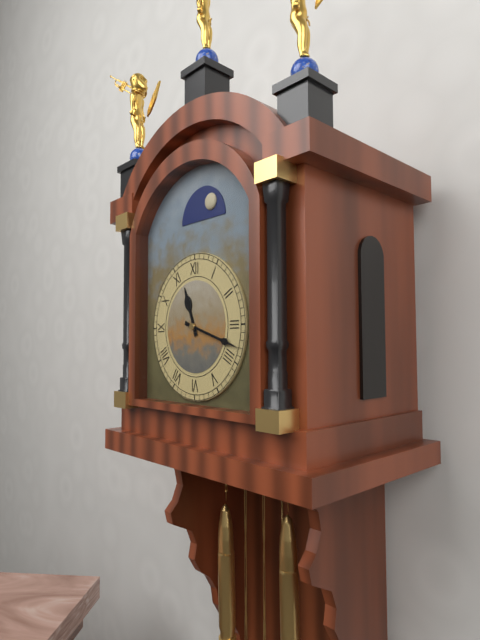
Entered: 11 h 18 min
